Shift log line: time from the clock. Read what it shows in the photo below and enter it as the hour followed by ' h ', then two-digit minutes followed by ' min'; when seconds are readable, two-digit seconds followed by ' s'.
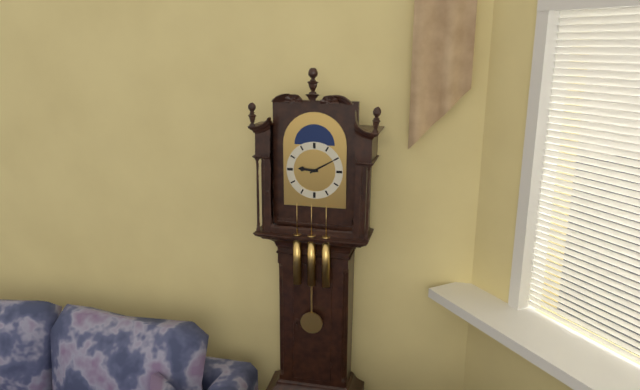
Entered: 9 h 10 min
